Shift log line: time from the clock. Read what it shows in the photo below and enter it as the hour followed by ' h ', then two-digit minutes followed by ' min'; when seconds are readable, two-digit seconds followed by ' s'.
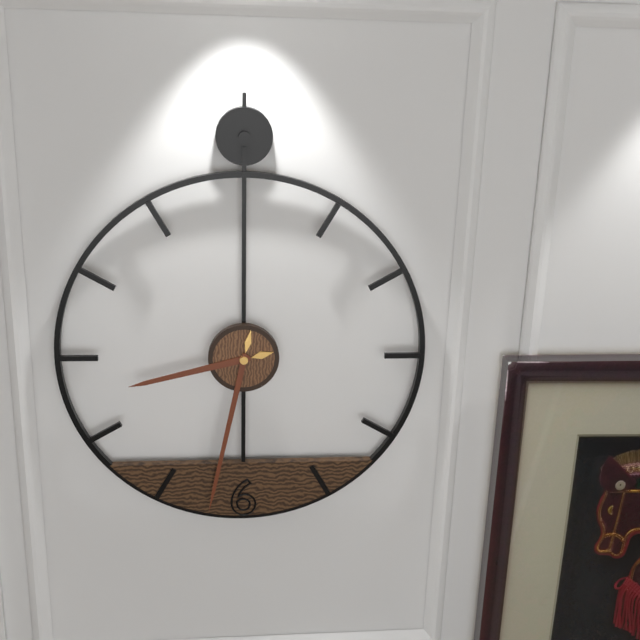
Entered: 8 h 32 min
